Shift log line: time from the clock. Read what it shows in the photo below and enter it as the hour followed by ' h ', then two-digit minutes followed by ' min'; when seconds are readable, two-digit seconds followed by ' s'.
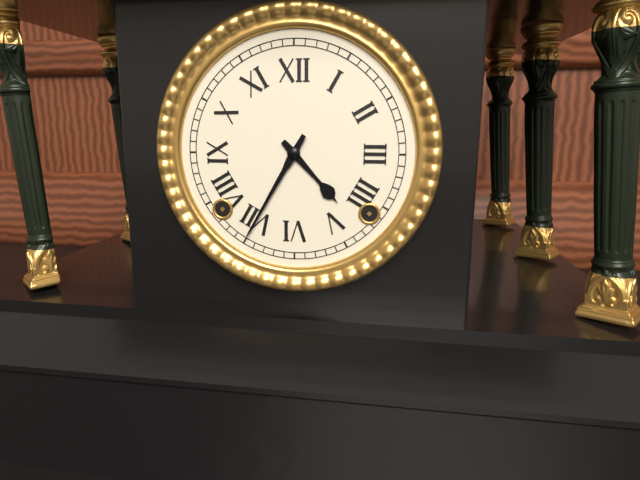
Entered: 4 h 35 min
